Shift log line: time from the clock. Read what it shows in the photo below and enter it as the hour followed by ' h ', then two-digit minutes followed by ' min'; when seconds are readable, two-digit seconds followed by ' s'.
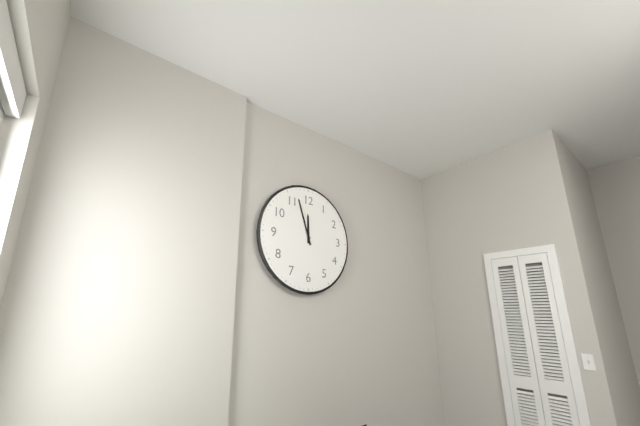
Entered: 11 h 57 min
